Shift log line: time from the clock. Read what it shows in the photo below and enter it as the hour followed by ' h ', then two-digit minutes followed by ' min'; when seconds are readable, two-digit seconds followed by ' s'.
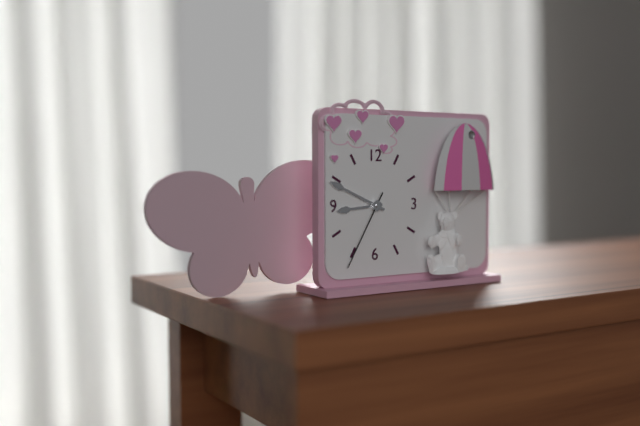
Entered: 8 h 49 min 35 s
